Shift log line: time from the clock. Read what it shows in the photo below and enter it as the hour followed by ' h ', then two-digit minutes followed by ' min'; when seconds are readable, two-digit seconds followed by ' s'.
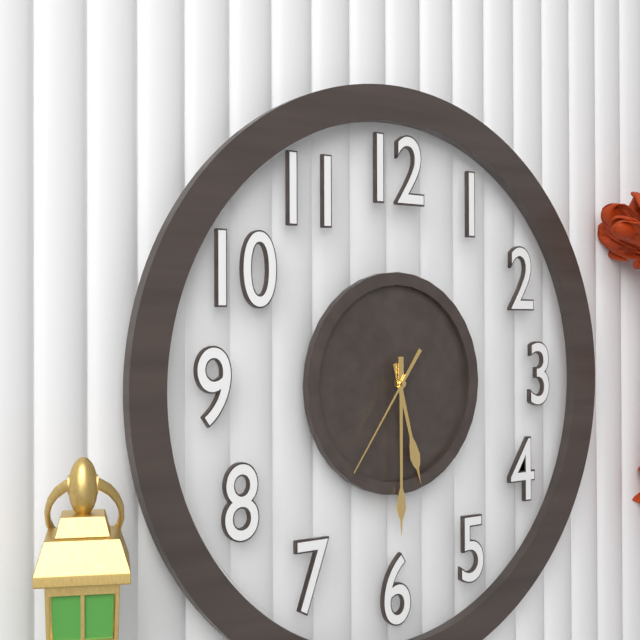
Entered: 5 h 30 min 36 s
